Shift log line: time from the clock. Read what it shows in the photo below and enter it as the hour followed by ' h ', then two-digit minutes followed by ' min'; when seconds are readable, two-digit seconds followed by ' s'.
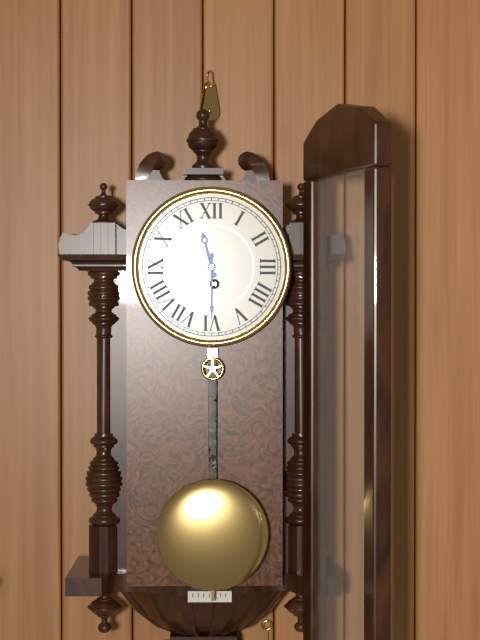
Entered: 11 h 30 min
